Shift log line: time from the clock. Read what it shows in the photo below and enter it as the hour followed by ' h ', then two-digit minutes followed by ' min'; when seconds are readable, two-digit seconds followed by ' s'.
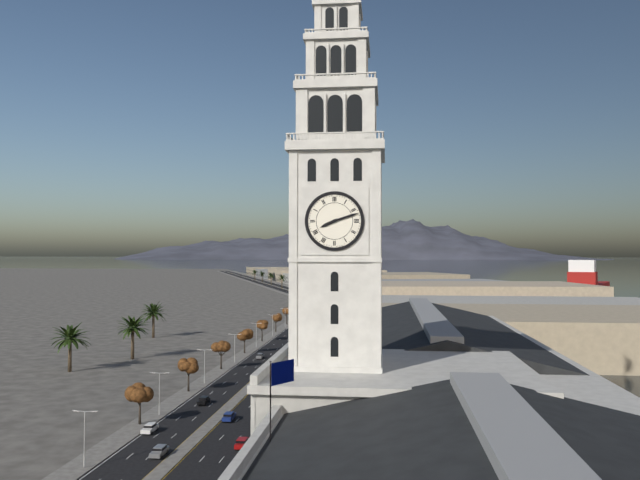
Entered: 8 h 12 min
